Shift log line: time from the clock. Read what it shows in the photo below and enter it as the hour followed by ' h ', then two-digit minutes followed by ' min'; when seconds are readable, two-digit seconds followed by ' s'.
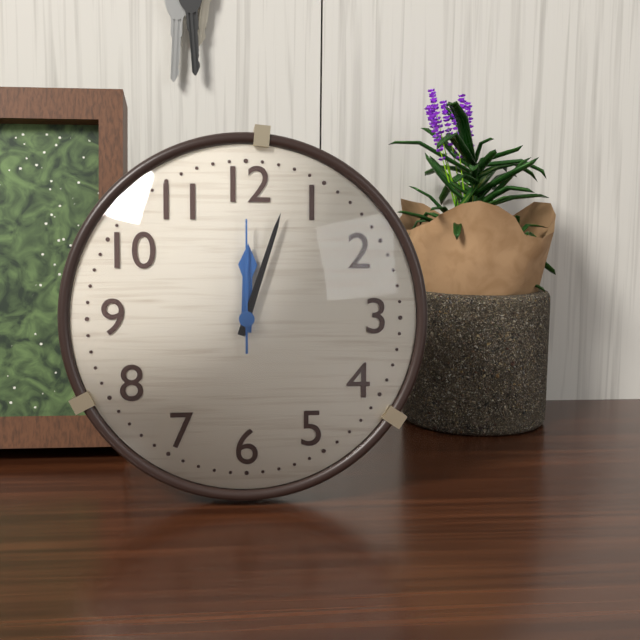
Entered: 12 h 03 min 00 s
